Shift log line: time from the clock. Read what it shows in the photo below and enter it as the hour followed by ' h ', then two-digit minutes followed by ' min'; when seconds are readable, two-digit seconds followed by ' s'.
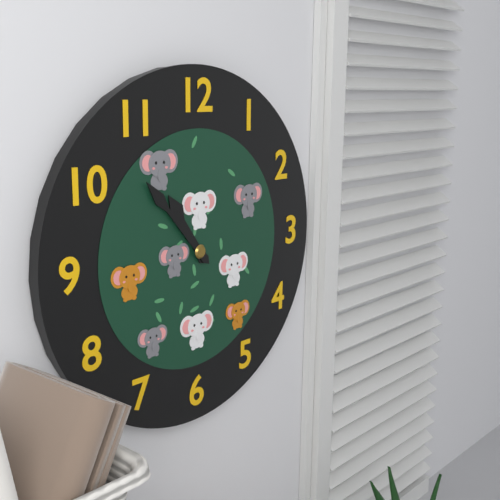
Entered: 10 h 53 min
